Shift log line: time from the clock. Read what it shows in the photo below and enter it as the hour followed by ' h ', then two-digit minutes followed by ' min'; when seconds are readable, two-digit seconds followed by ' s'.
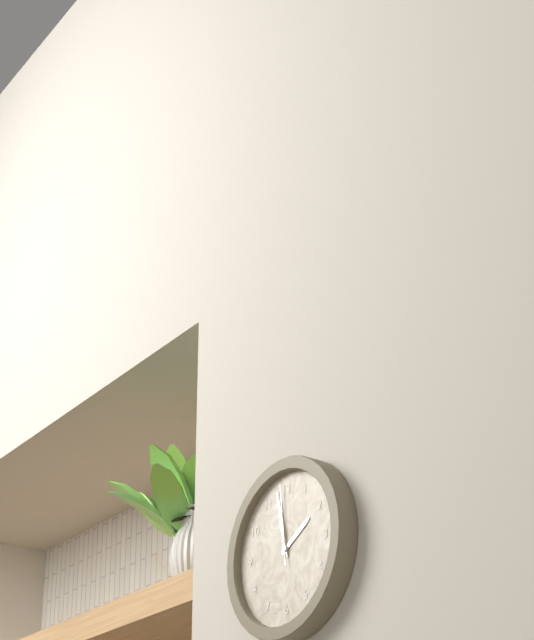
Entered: 1 h 58 min 59 s
